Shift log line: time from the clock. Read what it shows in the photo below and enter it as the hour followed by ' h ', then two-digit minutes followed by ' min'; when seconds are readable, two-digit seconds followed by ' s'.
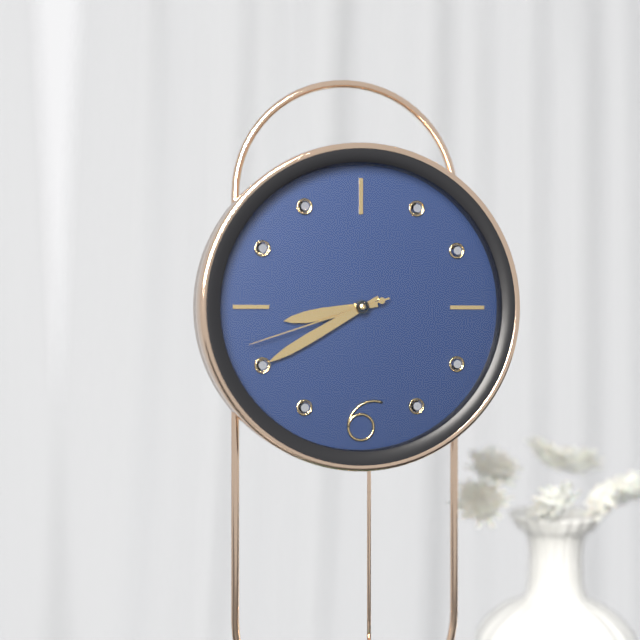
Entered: 8 h 40 min 42 s
